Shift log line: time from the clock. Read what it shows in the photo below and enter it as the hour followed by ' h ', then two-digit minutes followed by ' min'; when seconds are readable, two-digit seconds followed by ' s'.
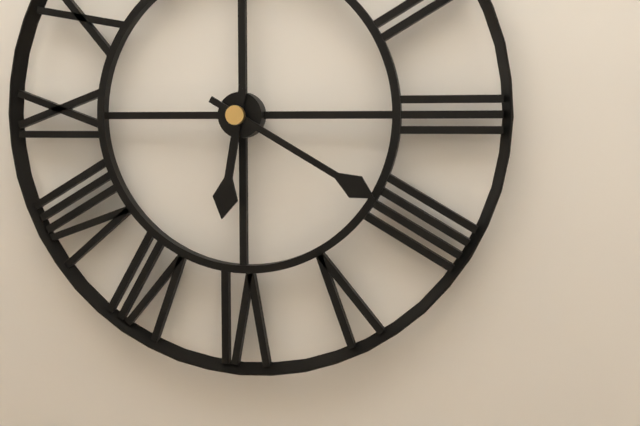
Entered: 6 h 20 min
